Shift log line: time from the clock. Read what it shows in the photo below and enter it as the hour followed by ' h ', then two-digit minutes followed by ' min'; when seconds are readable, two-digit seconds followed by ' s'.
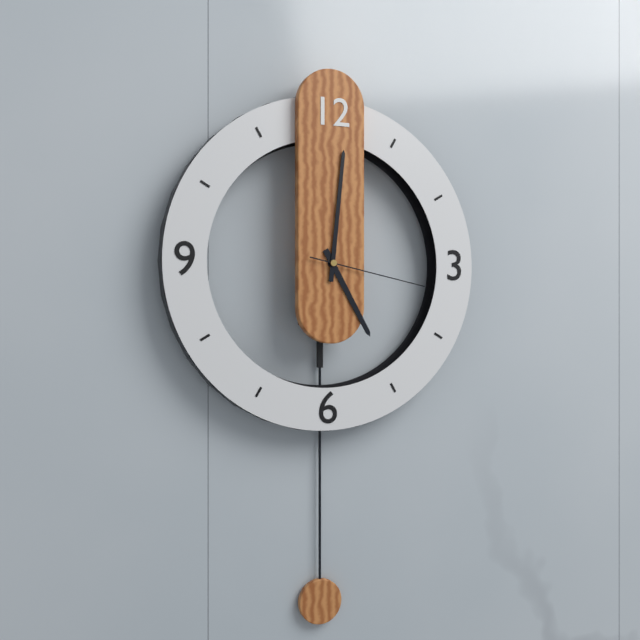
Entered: 5 h 01 min 17 s
